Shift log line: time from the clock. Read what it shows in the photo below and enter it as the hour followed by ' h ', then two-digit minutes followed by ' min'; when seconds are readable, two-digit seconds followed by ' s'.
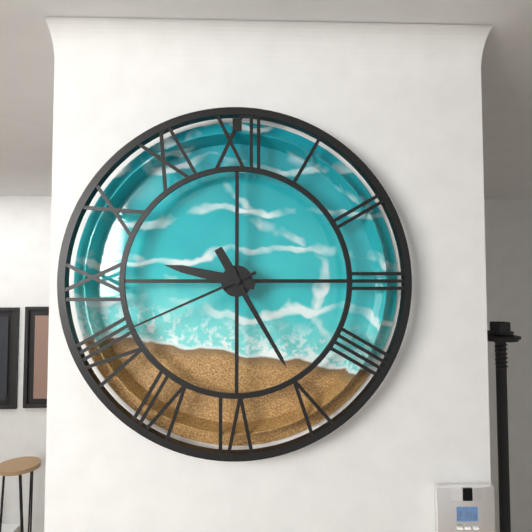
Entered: 9 h 25 min 41 s
